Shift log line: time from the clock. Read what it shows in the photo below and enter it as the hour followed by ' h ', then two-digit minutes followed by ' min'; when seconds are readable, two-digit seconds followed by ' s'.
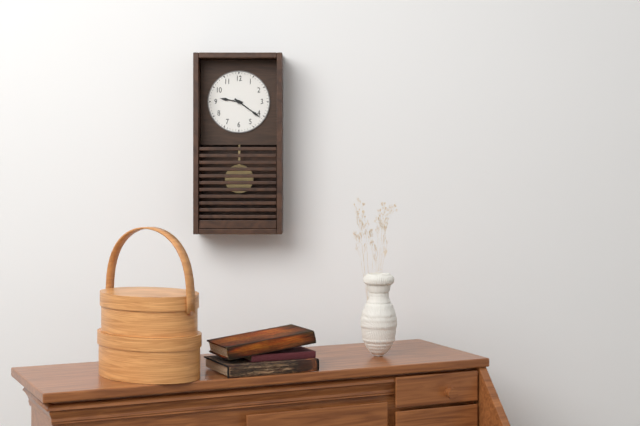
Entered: 9 h 21 min
